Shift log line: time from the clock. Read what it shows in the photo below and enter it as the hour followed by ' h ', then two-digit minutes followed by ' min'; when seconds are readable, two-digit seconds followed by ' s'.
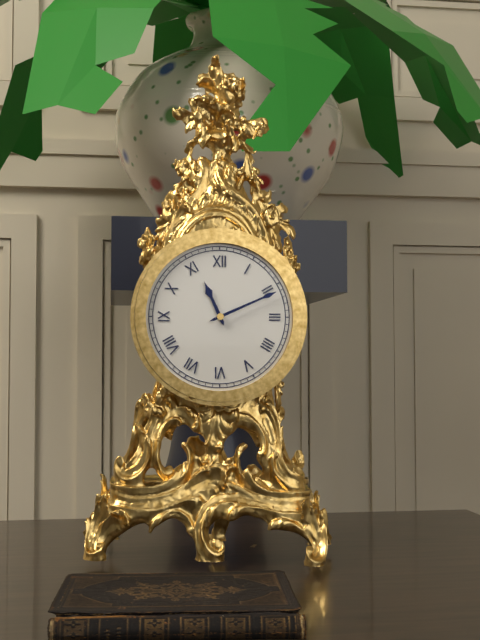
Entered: 11 h 11 min
